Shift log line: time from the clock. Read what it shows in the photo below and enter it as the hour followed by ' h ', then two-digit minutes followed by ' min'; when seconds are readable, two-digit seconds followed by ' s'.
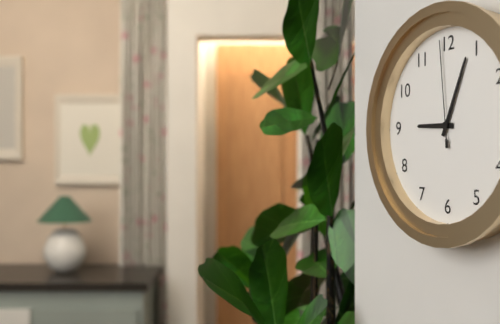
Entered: 9 h 04 min 59 s
